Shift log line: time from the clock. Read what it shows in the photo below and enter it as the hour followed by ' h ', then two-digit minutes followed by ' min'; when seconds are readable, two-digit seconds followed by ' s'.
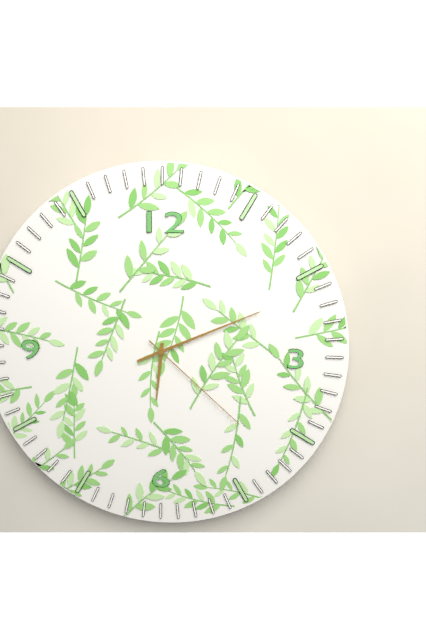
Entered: 6 h 11 min 22 s
